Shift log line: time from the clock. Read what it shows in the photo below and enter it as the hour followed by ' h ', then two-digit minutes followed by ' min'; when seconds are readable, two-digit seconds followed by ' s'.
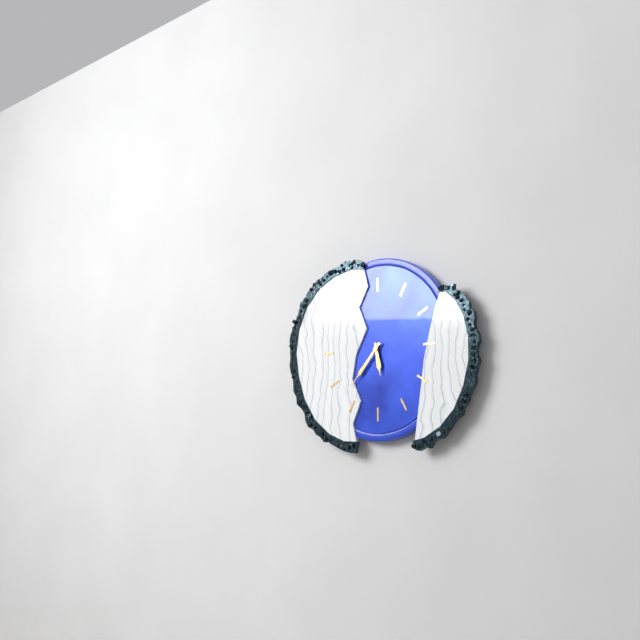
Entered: 5 h 37 min
